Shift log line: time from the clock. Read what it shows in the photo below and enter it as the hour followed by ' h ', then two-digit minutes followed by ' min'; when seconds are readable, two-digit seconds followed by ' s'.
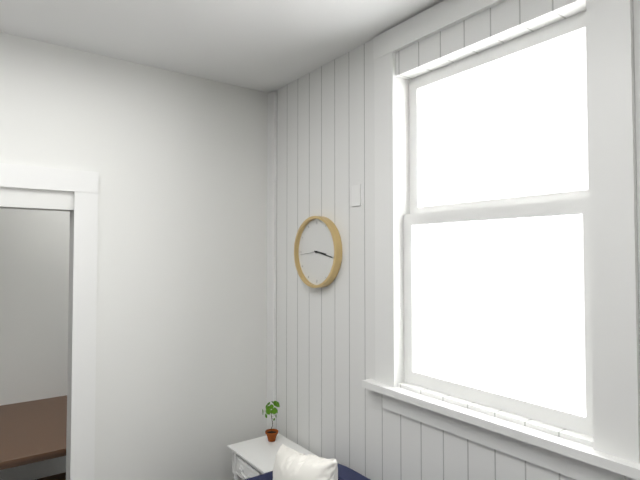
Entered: 3 h 17 min
